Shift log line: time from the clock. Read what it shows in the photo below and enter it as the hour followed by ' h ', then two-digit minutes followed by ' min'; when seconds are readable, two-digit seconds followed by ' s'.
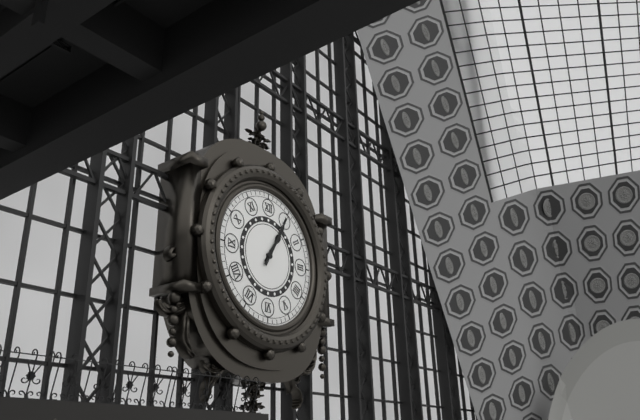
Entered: 1 h 05 min
